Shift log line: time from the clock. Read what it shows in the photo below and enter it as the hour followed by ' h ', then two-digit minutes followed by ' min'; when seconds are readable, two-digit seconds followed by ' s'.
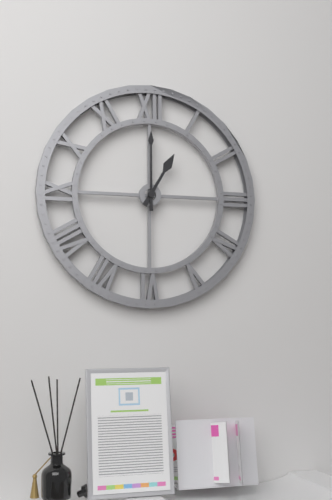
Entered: 1 h 00 min
